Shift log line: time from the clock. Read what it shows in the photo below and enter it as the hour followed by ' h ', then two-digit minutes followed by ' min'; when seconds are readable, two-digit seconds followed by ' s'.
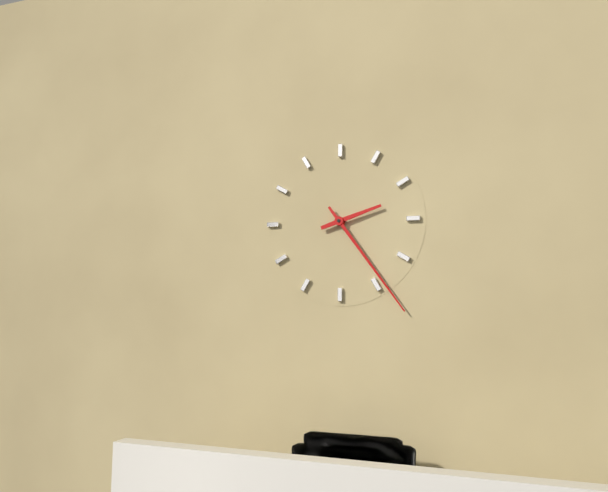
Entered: 2 h 24 min
